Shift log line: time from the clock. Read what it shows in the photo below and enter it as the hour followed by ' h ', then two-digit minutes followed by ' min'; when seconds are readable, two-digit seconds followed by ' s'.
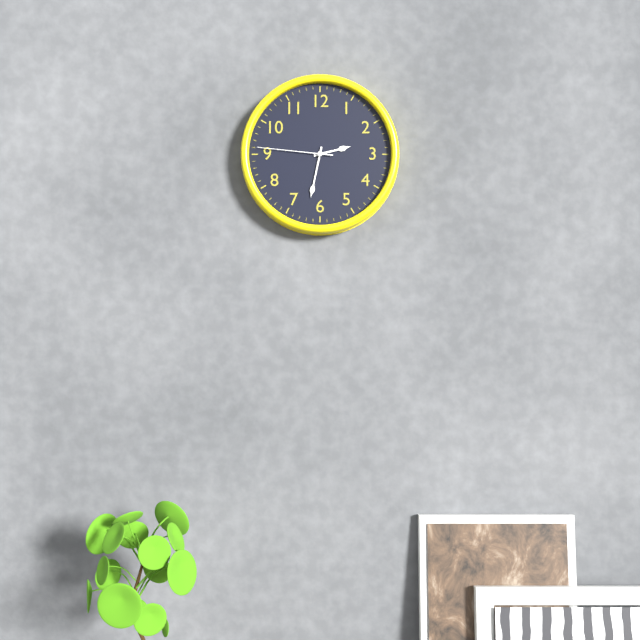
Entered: 2 h 32 min 46 s
